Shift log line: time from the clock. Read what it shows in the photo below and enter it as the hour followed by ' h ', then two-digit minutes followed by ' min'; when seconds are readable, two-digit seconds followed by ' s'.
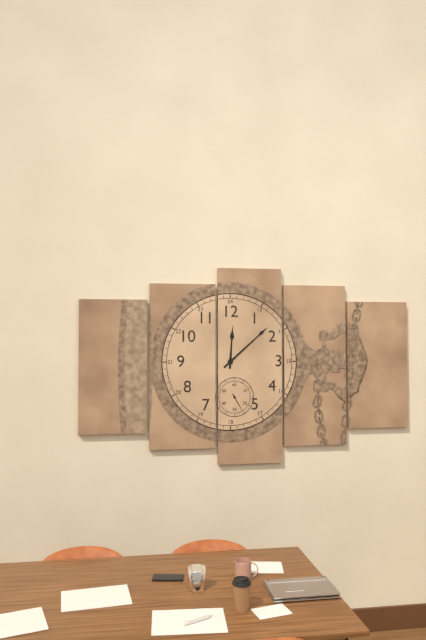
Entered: 12 h 08 min
